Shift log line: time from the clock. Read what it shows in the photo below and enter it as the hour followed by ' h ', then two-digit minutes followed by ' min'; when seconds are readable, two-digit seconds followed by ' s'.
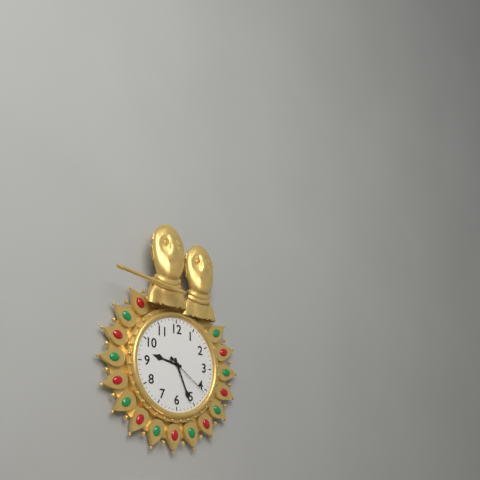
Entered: 9 h 26 min
